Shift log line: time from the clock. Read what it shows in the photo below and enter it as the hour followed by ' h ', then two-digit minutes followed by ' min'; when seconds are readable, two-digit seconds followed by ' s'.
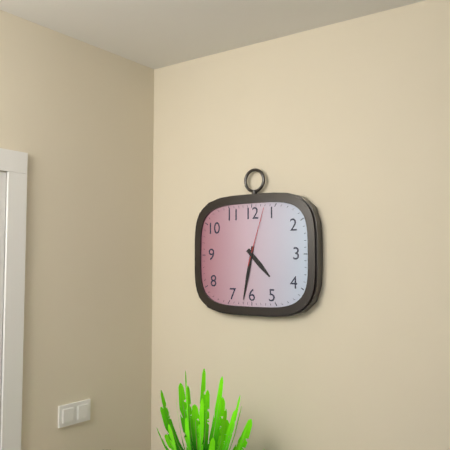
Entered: 4 h 32 min 03 s
